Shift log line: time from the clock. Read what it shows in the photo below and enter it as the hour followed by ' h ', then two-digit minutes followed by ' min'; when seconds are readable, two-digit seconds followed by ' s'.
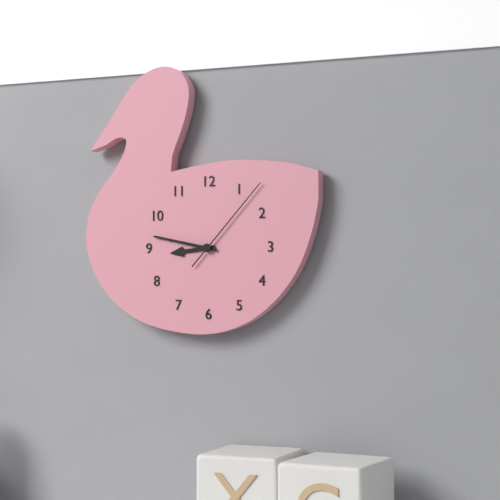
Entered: 8 h 47 min 07 s
